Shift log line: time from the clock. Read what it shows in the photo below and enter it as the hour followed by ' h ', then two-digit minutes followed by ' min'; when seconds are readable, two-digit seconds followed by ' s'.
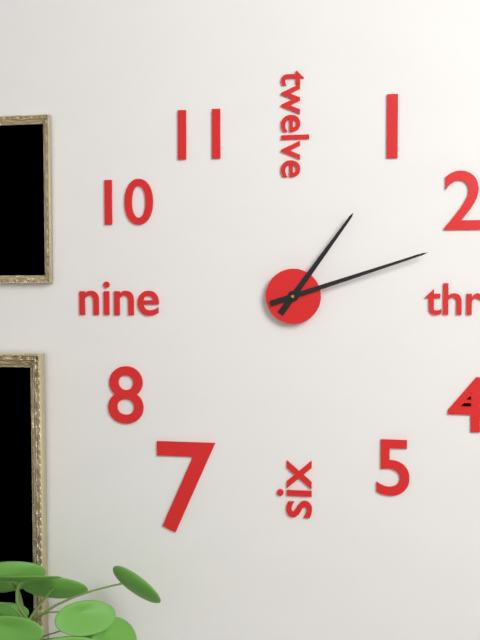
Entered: 1 h 12 min
